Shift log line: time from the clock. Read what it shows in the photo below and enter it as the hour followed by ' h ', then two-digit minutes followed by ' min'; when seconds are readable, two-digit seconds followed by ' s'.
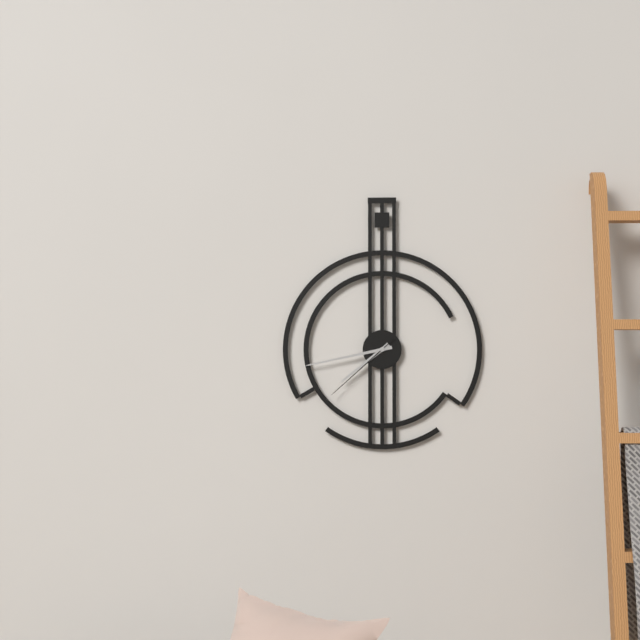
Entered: 7 h 43 min 38 s
